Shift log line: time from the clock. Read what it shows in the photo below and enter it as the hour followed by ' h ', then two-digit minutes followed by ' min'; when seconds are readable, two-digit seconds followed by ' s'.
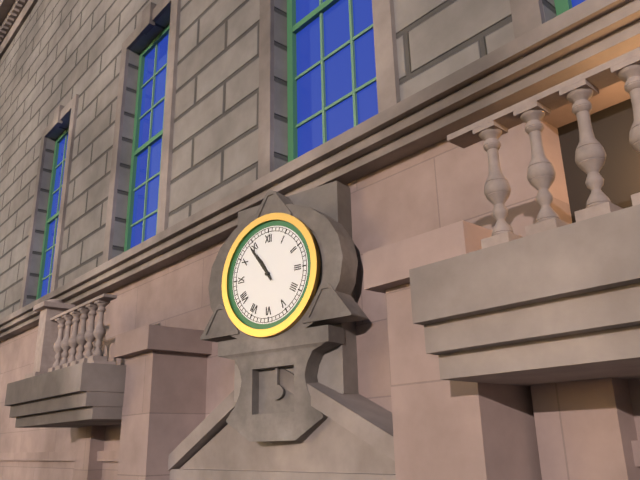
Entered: 10 h 54 min
